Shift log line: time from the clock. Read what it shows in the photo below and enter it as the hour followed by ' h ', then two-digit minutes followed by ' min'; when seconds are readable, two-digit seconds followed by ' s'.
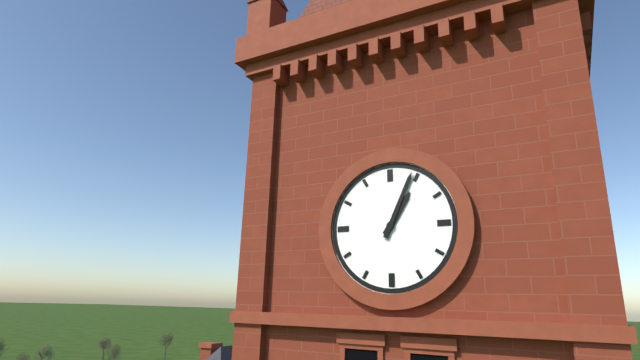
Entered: 1 h 04 min
